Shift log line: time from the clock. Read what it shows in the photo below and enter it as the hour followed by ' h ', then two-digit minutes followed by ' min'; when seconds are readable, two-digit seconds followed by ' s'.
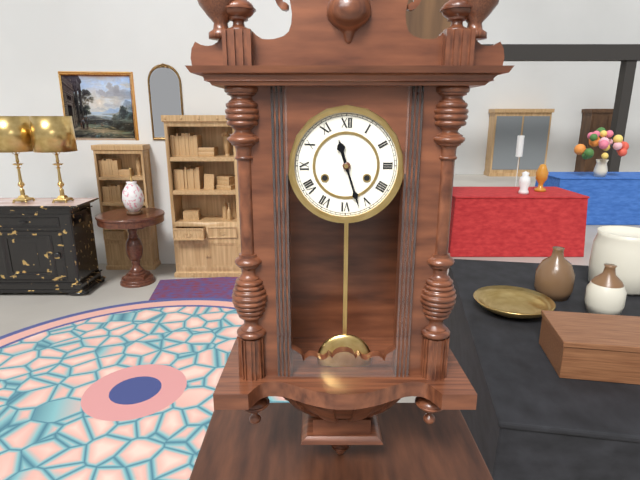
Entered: 11 h 27 min
